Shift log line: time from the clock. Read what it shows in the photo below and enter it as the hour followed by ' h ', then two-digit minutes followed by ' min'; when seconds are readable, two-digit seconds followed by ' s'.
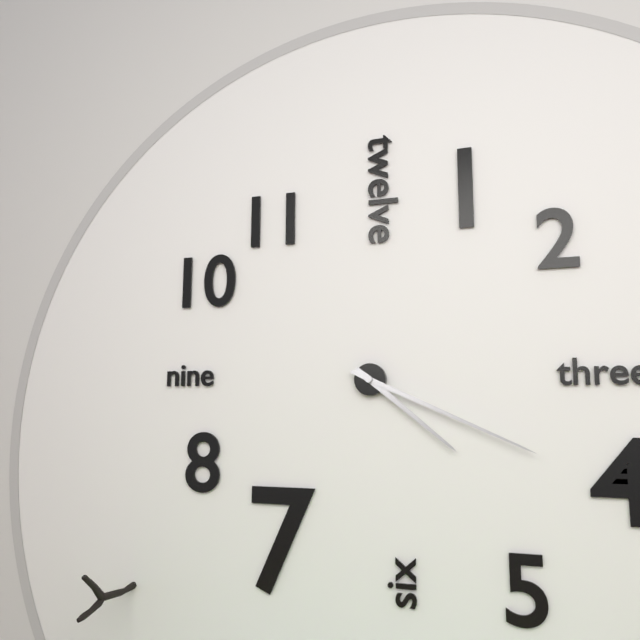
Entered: 4 h 19 min
